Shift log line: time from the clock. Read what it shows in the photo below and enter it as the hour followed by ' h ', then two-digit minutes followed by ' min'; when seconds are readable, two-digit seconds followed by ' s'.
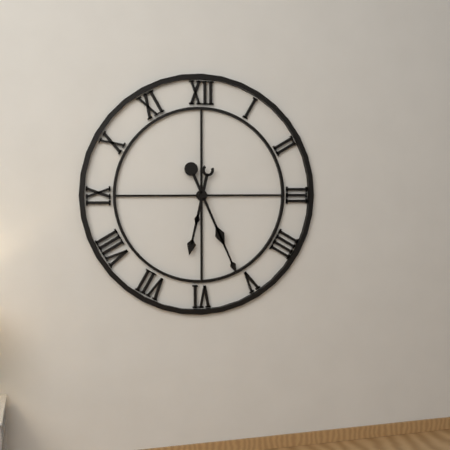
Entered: 6 h 26 min
